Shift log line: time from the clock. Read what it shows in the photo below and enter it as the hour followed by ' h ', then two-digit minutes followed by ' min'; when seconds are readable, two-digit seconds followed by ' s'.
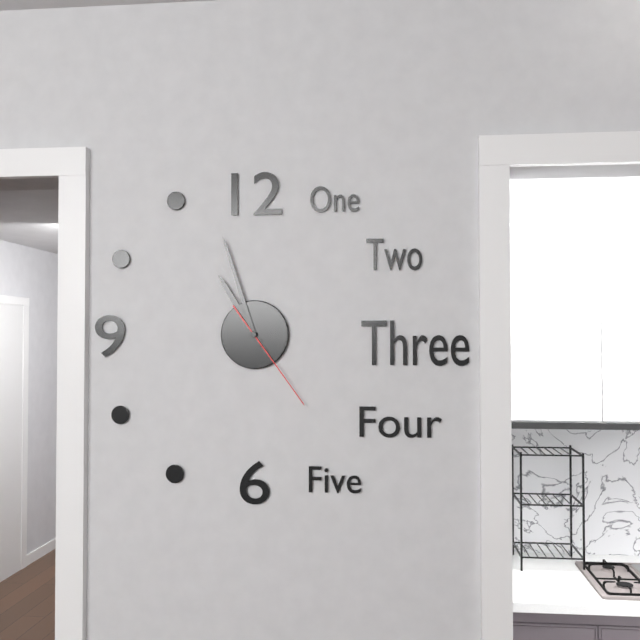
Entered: 10 h 57 min 24 s
